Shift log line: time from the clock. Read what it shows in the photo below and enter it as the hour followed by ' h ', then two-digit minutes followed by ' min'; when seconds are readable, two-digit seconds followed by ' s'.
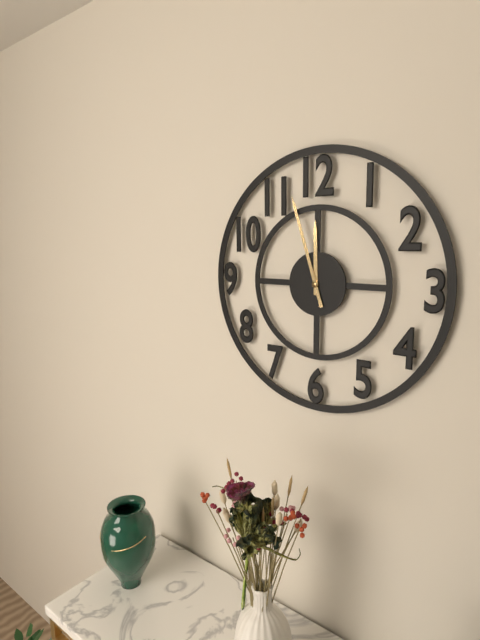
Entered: 11 h 57 min
